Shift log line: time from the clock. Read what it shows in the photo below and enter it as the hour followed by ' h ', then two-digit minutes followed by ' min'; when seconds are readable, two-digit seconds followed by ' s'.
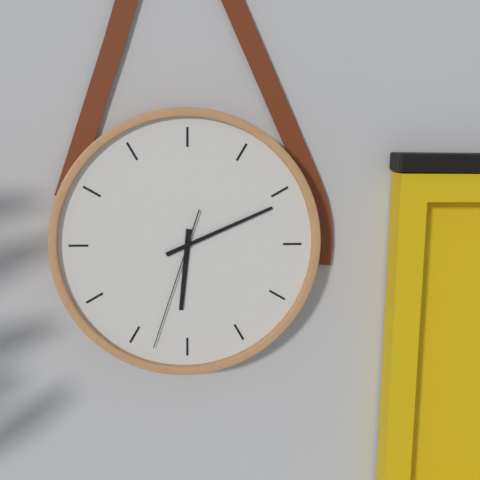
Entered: 6 h 11 min 33 s
